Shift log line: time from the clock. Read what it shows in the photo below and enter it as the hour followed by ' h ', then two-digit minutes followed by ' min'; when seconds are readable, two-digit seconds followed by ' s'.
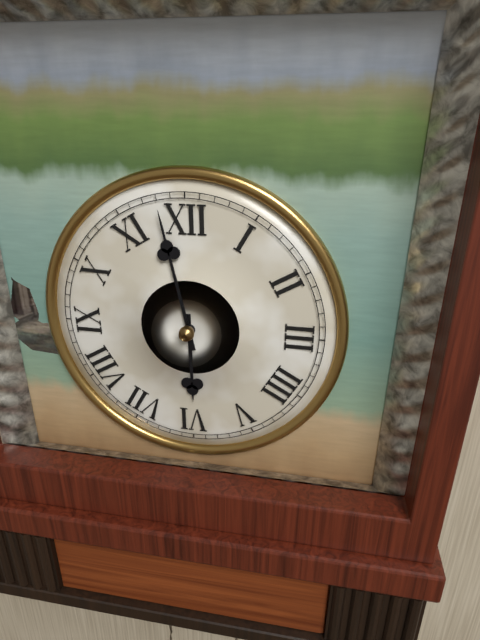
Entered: 5 h 58 min
